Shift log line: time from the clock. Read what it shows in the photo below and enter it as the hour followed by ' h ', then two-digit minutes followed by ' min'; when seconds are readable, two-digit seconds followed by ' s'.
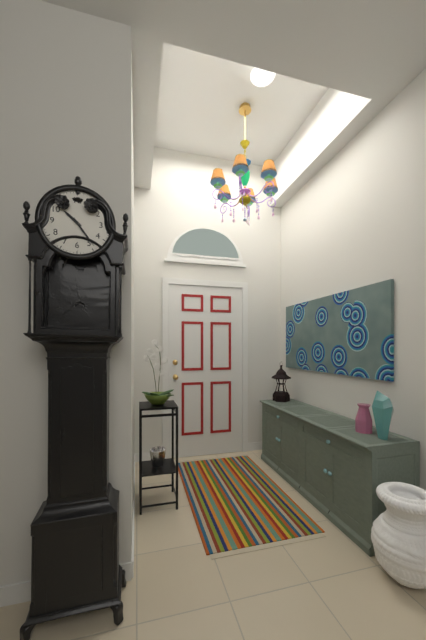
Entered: 10 h 24 min
